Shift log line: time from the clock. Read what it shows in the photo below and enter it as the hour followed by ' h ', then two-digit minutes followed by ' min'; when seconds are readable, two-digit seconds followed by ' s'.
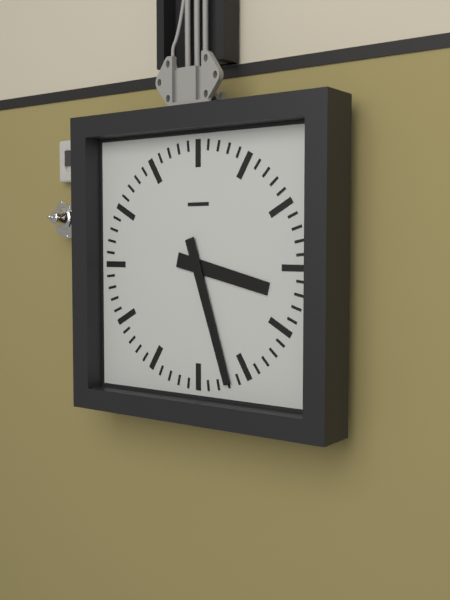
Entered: 3 h 27 min
